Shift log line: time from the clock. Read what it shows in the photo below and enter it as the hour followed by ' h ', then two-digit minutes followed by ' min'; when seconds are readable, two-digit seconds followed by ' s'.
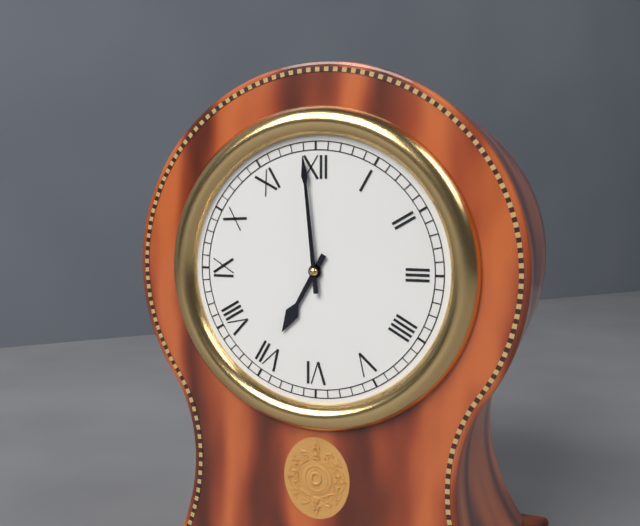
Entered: 6 h 59 min
